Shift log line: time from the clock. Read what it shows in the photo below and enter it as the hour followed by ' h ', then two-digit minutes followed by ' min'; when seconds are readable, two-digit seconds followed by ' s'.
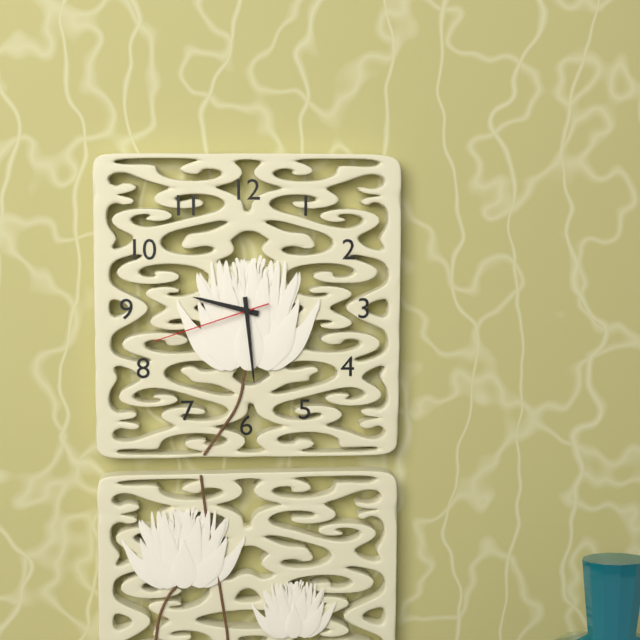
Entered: 9 h 29 min 42 s
